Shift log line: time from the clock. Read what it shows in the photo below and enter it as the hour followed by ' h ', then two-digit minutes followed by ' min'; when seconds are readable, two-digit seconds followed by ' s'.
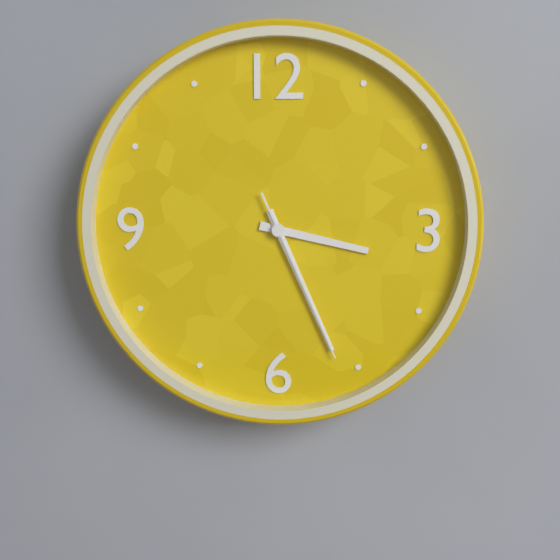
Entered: 3 h 26 min 26 s
